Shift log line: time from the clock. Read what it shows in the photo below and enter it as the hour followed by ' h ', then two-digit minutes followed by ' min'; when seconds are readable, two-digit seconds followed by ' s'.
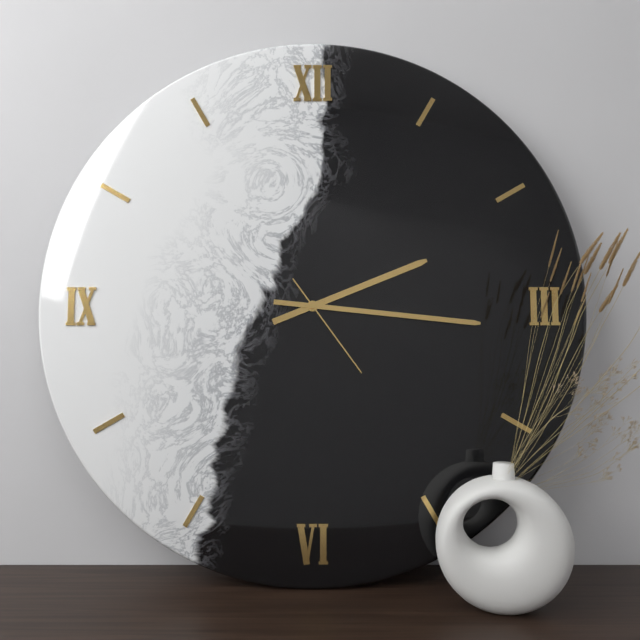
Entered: 2 h 16 min 24 s
